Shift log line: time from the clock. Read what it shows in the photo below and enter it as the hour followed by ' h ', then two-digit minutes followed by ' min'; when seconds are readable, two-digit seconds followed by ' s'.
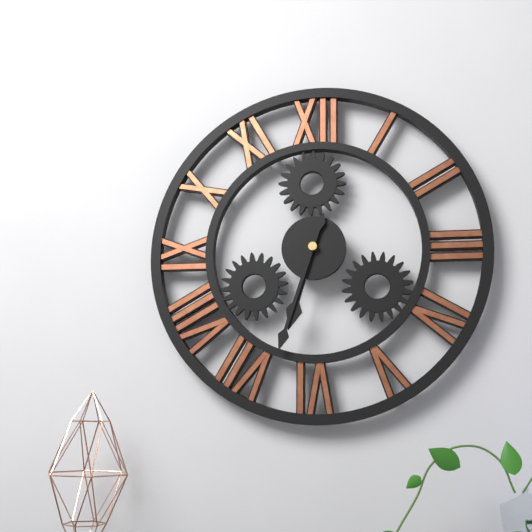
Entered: 6 h 33 min
